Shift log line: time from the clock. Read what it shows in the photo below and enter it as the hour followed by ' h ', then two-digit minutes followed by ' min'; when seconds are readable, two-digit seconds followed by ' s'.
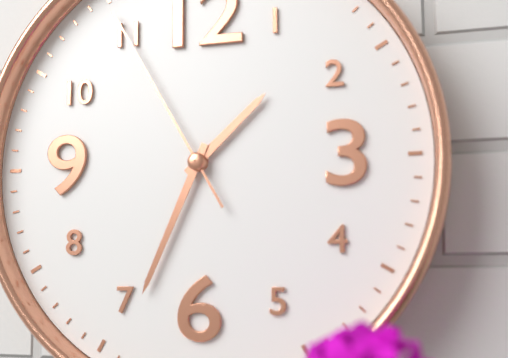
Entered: 1 h 34 min 55 s
